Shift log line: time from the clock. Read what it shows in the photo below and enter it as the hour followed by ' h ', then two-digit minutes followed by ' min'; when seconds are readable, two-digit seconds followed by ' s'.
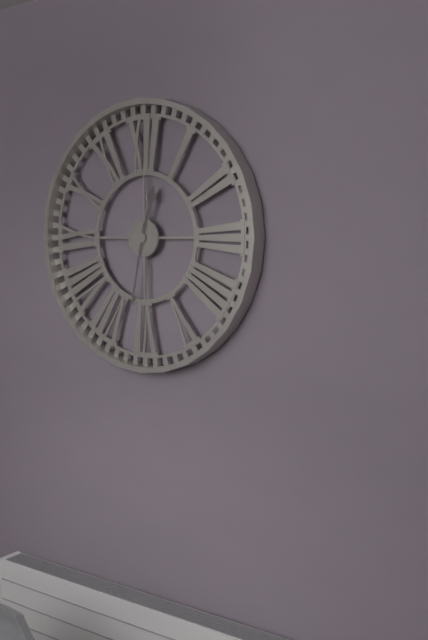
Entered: 12 h 32 min
